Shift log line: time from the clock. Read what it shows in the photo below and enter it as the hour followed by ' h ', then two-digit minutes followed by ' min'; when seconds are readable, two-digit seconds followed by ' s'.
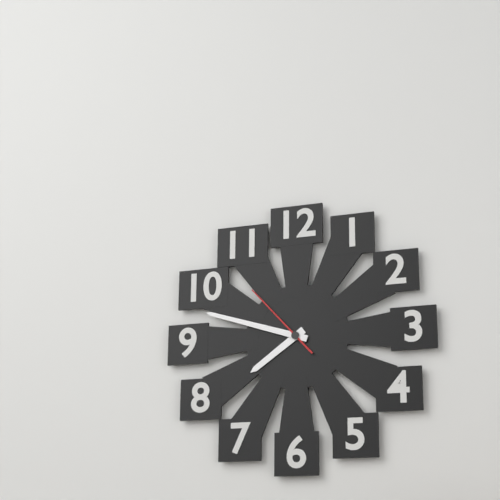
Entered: 7 h 48 min 53 s
